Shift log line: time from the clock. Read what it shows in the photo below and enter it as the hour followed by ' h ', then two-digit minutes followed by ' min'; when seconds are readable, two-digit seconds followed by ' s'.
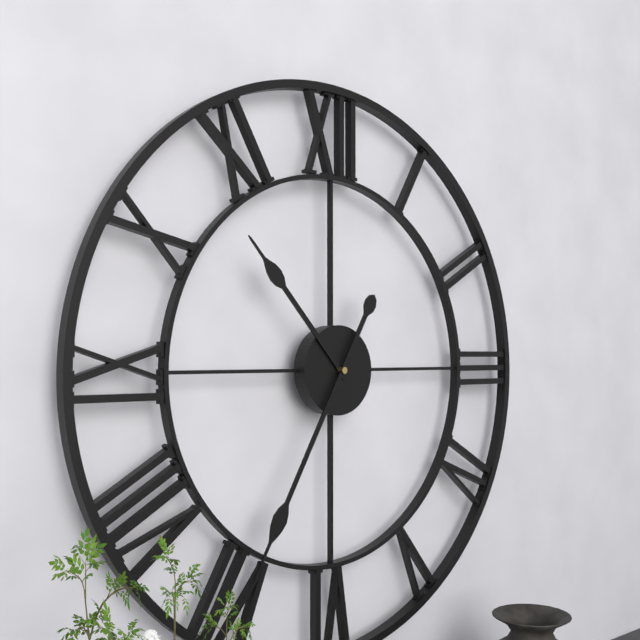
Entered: 10 h 35 min
